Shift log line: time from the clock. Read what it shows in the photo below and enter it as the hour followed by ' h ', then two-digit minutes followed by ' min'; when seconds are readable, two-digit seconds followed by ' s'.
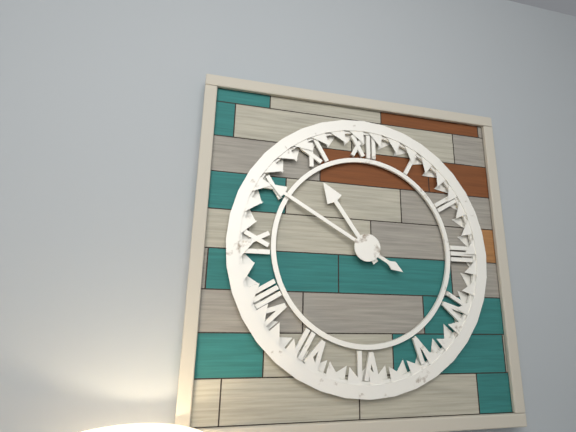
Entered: 10 h 50 min
